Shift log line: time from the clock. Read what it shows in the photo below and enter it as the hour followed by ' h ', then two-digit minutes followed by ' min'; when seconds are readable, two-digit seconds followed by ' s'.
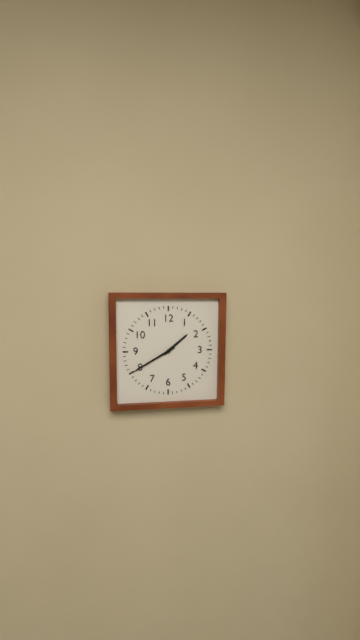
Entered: 1 h 40 min
